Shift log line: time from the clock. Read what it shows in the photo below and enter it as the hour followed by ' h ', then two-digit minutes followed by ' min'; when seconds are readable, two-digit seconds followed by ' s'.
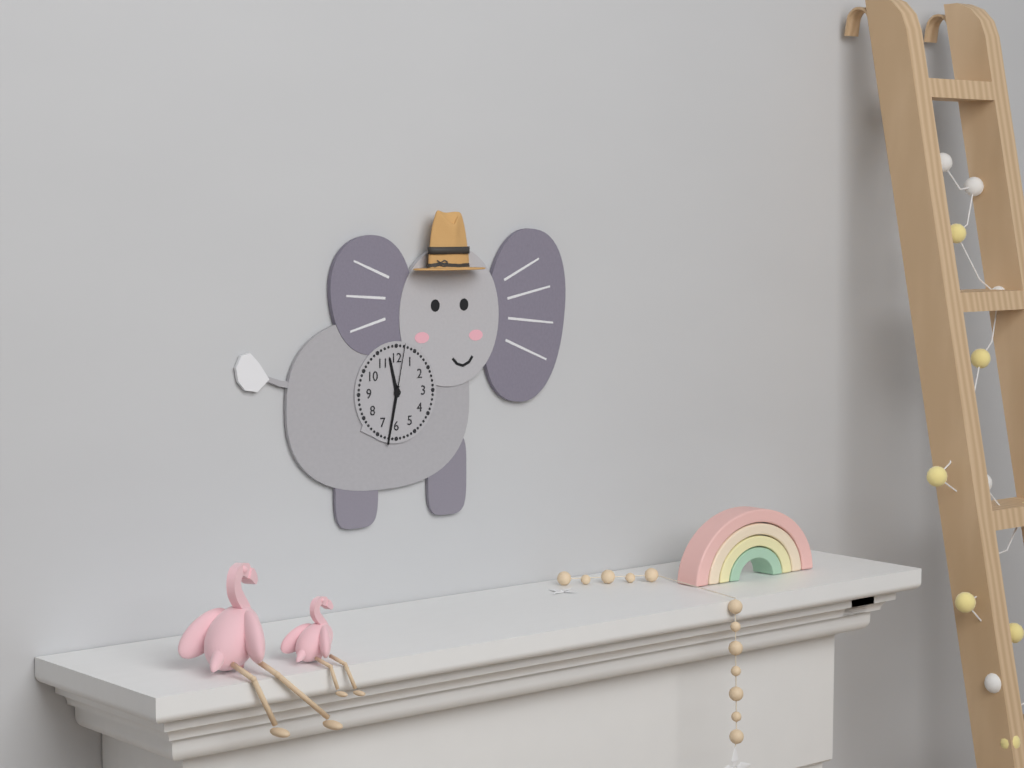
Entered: 11 h 32 min 02 s
